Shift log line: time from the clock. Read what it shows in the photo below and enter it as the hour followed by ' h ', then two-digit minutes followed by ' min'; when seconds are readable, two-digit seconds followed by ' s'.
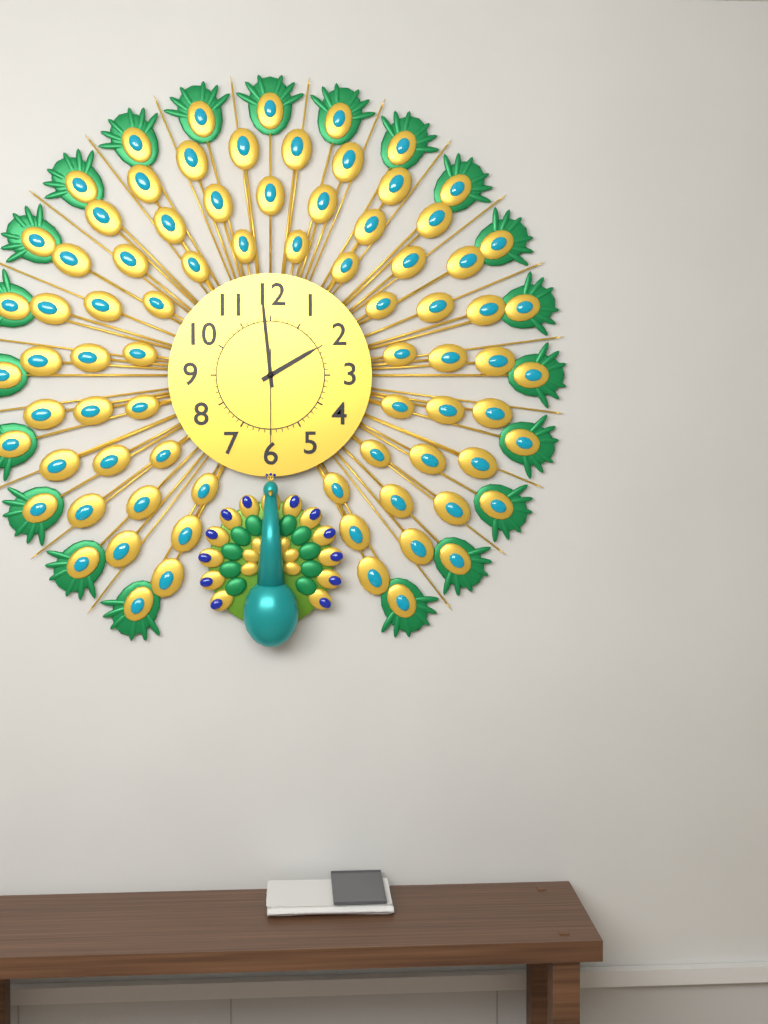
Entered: 1 h 59 min 30 s
